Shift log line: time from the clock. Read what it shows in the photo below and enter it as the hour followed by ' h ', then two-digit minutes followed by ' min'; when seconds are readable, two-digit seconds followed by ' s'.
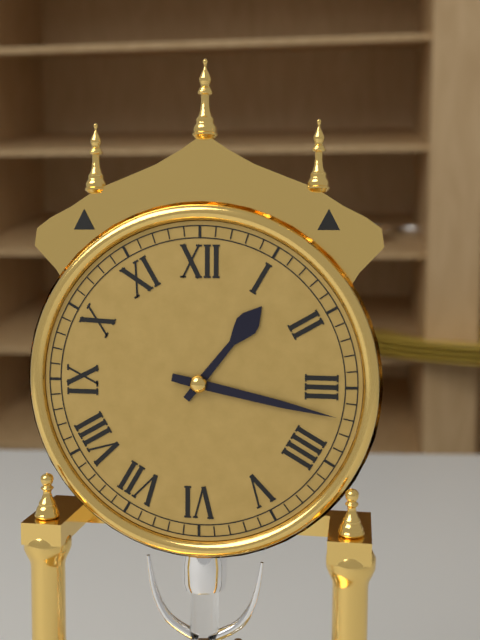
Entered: 1 h 17 min
